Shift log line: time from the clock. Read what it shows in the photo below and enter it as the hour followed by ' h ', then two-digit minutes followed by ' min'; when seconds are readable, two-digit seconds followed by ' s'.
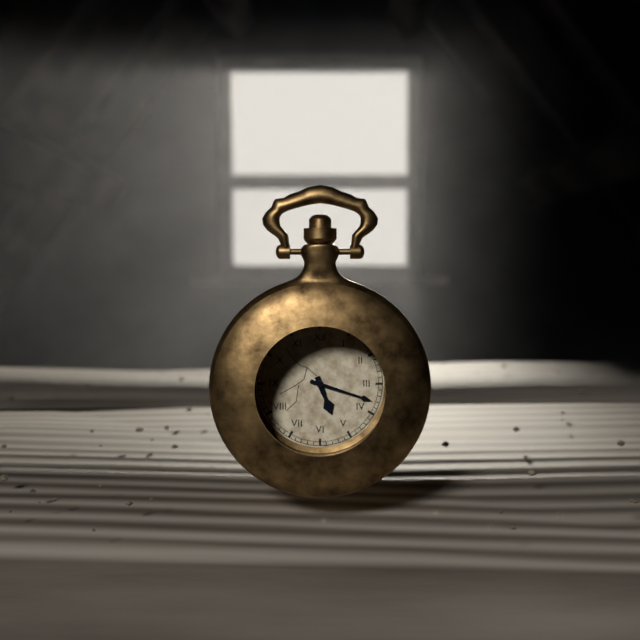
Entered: 5 h 18 min
